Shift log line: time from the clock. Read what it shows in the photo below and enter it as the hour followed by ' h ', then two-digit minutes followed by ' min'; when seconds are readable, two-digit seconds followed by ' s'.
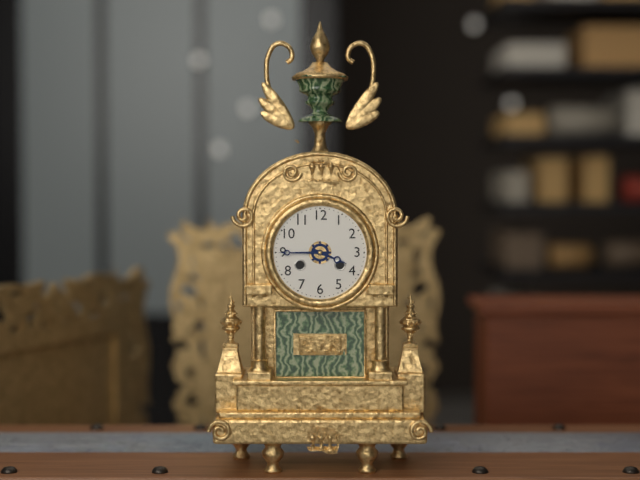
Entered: 3 h 45 min
